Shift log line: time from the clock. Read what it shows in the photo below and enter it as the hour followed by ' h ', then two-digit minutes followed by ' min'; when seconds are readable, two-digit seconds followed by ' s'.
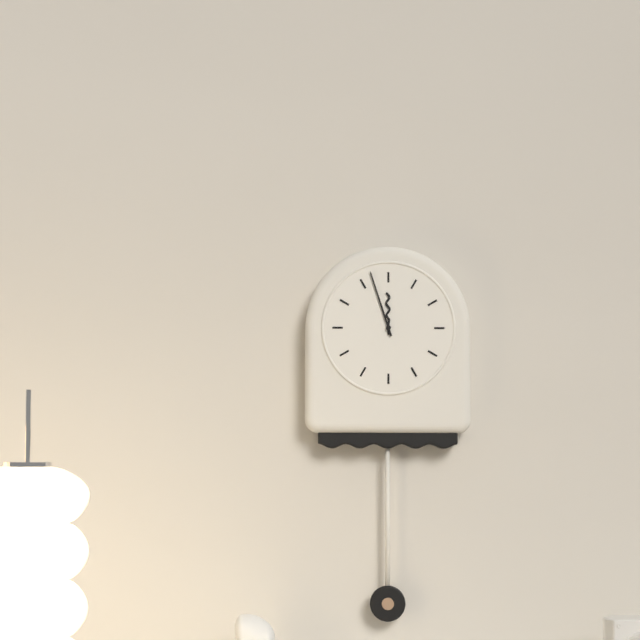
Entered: 11 h 57 min
